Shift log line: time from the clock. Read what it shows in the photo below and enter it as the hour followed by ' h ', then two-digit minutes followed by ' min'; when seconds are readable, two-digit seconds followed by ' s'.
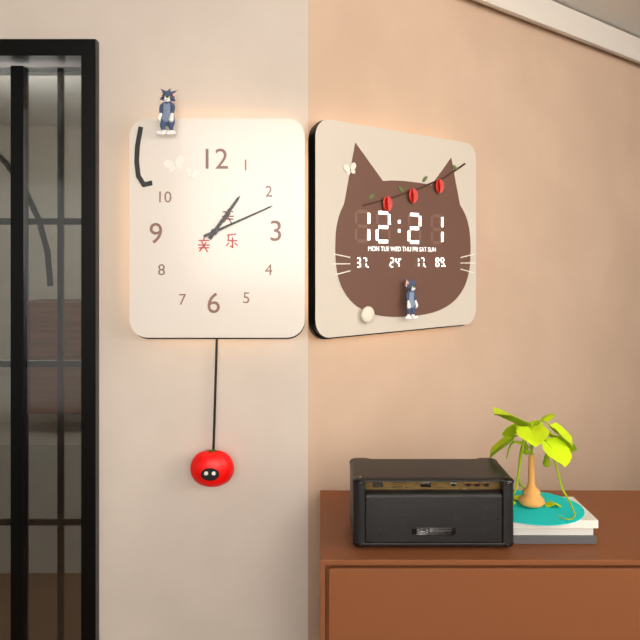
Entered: 1 h 11 min
